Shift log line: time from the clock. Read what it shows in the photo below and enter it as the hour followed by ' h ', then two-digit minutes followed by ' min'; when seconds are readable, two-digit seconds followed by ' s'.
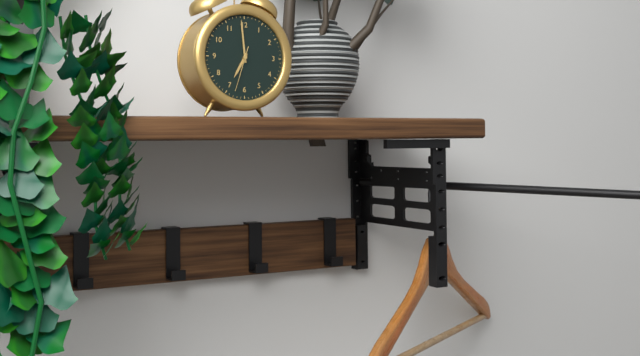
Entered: 6 h 59 min
